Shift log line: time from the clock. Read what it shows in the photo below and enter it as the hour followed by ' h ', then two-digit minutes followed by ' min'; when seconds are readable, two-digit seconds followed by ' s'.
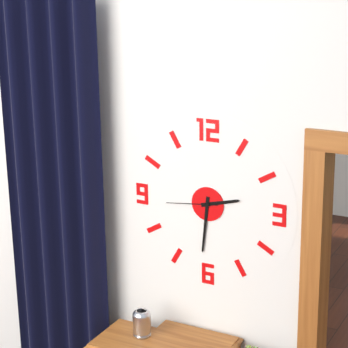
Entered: 2 h 31 min 44 s
